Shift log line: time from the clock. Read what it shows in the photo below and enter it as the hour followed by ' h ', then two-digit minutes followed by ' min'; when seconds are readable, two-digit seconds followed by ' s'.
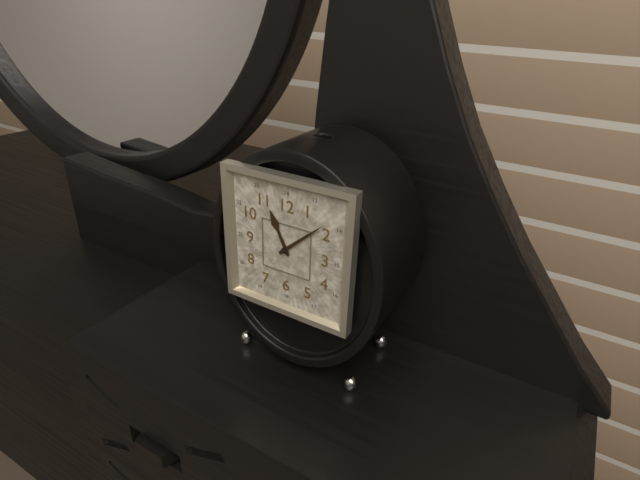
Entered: 11 h 08 min
